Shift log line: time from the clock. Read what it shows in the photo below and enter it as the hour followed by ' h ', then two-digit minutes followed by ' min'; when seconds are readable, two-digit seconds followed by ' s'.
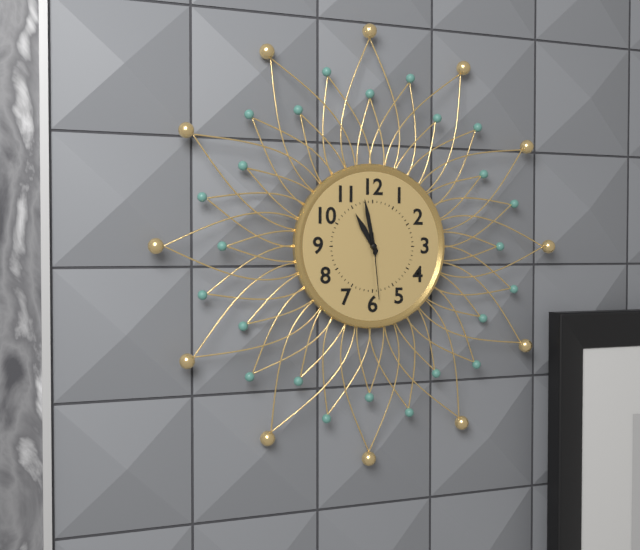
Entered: 10 h 58 min 29 s
